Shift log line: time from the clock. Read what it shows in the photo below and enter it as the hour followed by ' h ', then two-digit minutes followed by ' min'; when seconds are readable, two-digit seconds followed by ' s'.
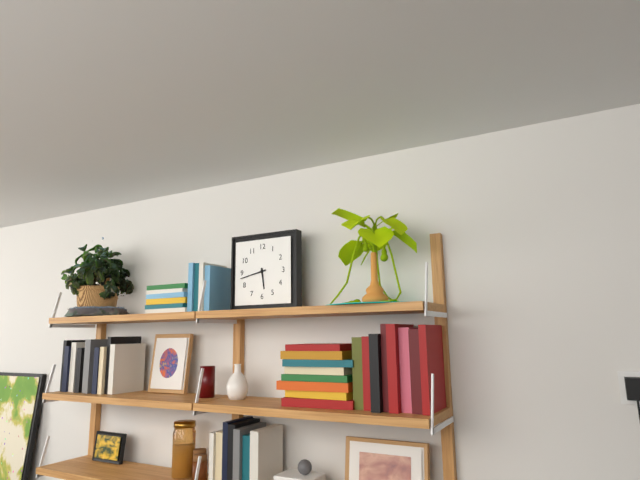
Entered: 5 h 43 min
